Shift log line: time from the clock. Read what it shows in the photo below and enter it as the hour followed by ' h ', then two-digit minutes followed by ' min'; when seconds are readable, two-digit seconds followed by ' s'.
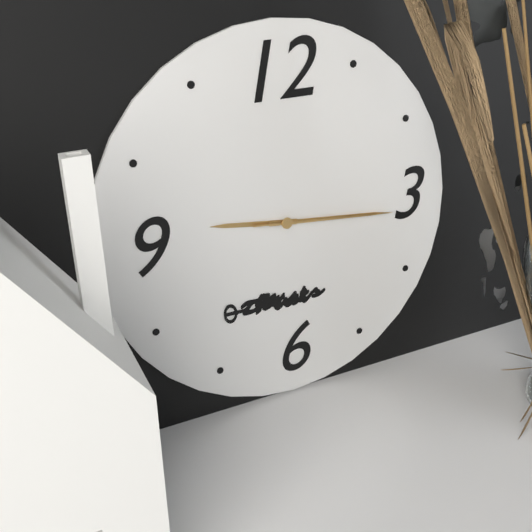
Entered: 9 h 16 min 16 s
